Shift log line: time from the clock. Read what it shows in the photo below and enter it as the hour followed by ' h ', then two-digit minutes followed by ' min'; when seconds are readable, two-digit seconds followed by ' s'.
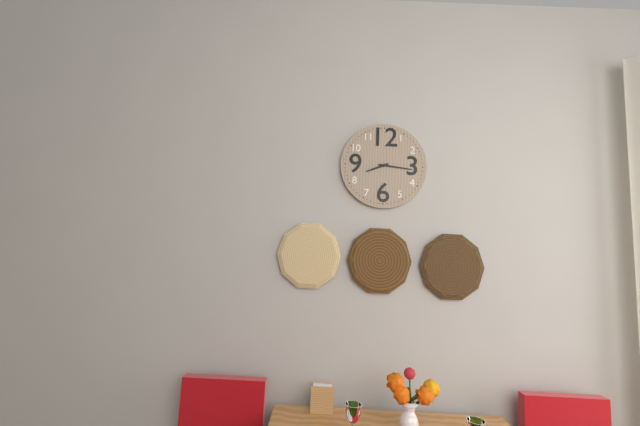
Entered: 8 h 16 min
